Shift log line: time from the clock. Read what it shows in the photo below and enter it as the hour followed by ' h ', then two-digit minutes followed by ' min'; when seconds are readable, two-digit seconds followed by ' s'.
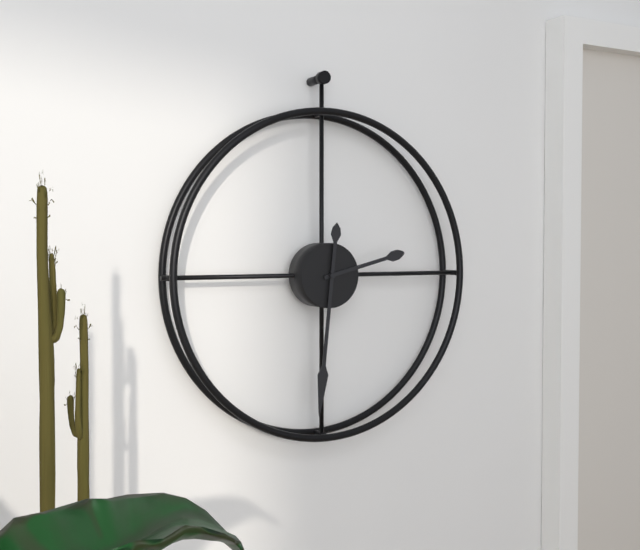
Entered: 2 h 31 min
